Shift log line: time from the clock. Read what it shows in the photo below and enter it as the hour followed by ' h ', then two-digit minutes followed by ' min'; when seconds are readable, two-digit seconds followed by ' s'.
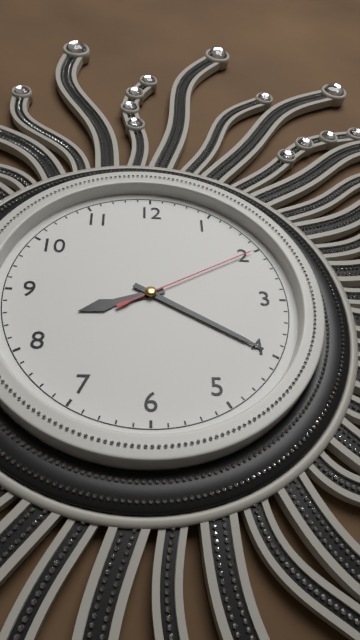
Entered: 8 h 20 min 10 s
